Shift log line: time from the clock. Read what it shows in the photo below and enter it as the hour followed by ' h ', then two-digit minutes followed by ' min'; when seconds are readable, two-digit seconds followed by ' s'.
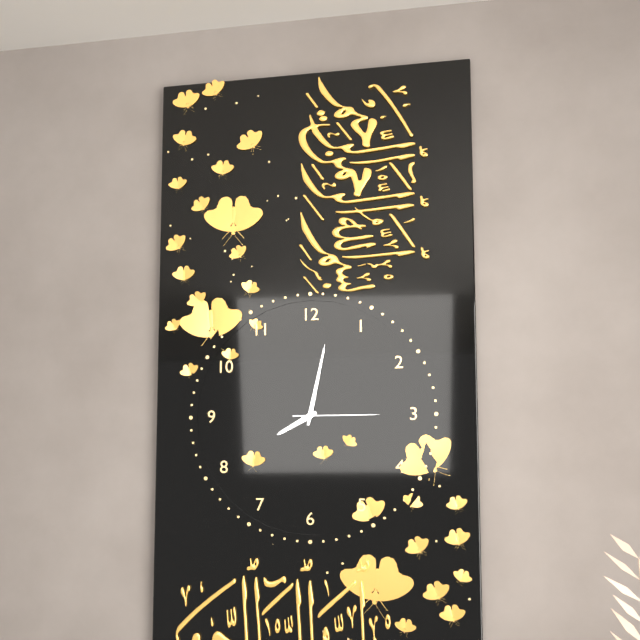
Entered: 8 h 02 min 15 s
